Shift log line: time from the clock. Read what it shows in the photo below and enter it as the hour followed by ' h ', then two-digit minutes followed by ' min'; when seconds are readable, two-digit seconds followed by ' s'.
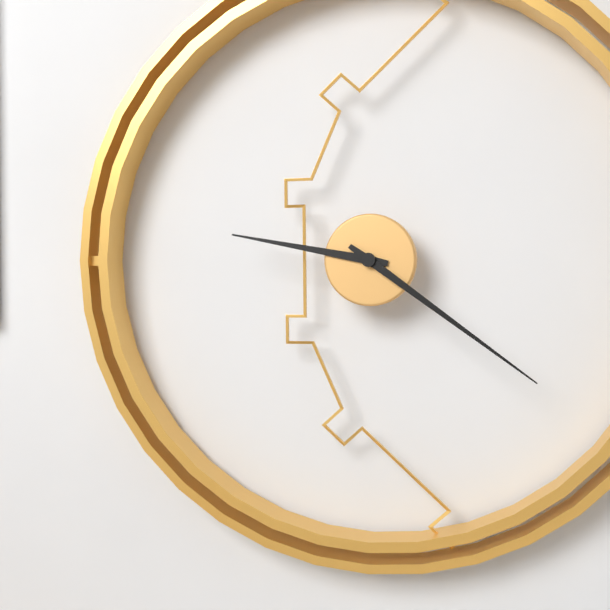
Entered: 9 h 21 min
